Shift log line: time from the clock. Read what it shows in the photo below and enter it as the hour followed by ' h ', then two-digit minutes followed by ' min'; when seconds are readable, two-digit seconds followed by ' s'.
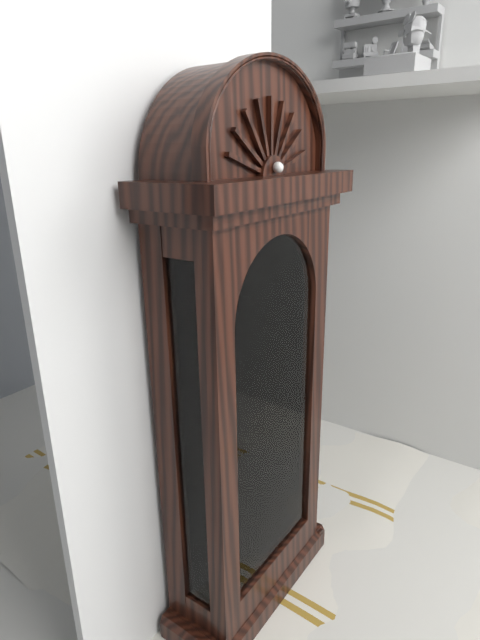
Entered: 1 h 55 min
